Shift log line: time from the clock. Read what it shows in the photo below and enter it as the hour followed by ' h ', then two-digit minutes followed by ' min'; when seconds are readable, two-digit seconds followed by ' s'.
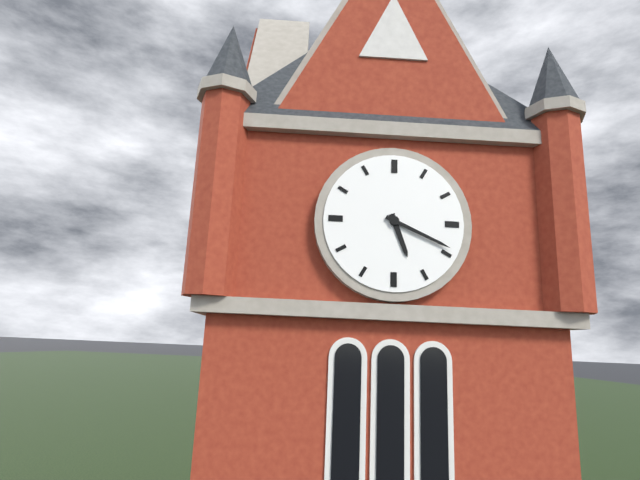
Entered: 5 h 19 min
